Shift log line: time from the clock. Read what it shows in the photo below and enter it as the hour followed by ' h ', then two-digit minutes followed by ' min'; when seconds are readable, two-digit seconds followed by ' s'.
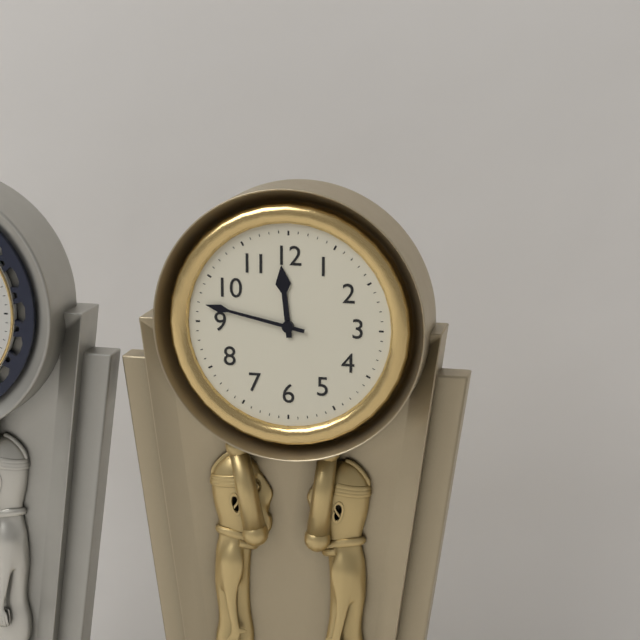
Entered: 11 h 47 min
